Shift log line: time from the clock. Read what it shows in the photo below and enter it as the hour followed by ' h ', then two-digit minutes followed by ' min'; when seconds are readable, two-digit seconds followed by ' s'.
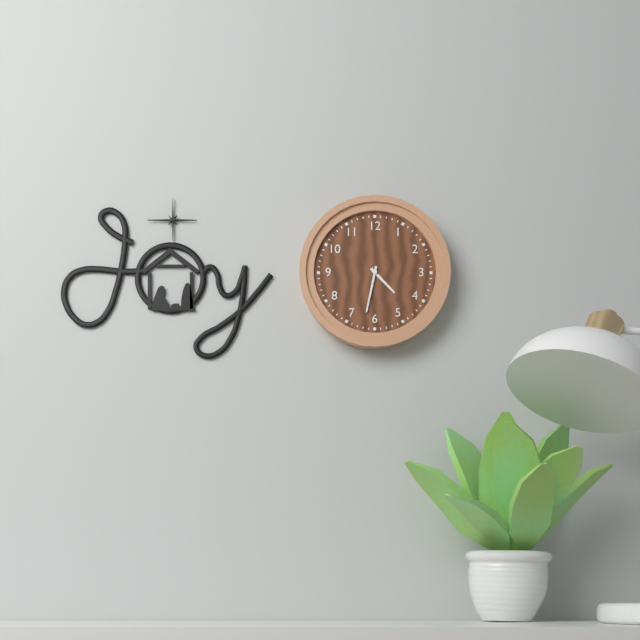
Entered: 4 h 32 min
